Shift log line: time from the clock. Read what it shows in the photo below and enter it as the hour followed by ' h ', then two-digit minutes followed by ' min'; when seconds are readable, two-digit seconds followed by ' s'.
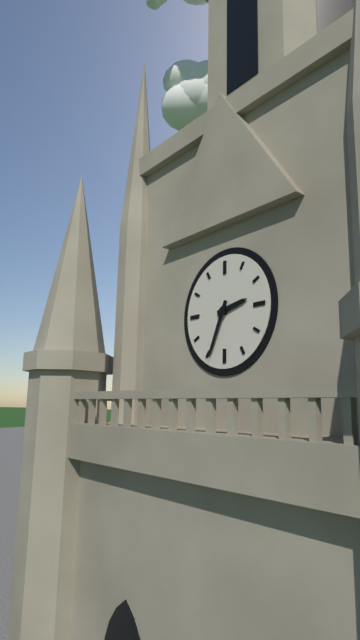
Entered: 2 h 34 min
